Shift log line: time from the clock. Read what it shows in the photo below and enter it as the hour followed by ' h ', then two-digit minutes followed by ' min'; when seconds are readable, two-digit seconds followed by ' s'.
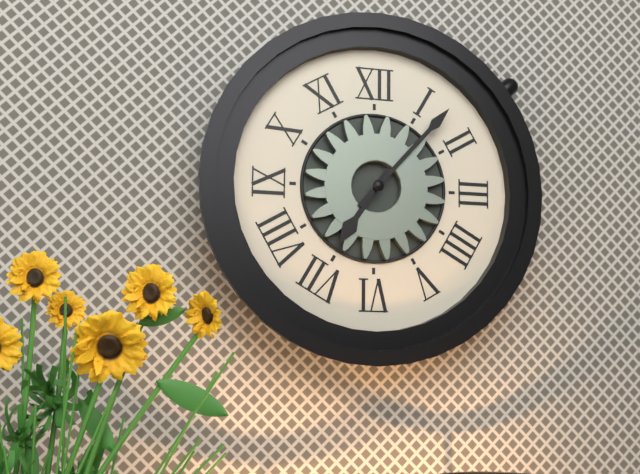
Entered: 7 h 07 min
